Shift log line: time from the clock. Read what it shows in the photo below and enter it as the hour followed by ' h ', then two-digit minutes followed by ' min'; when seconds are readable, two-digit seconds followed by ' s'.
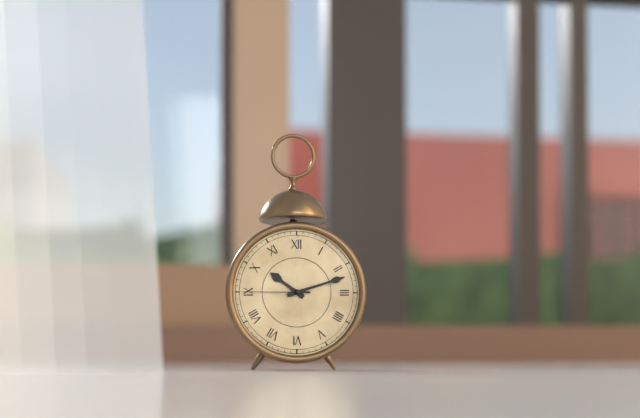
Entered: 10 h 12 min 45 s
